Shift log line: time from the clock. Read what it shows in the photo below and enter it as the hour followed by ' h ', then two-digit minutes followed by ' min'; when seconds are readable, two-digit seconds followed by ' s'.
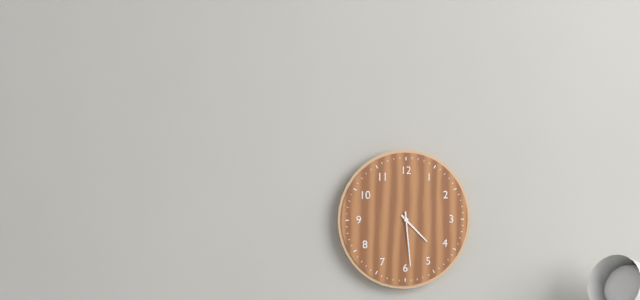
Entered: 4 h 29 min
